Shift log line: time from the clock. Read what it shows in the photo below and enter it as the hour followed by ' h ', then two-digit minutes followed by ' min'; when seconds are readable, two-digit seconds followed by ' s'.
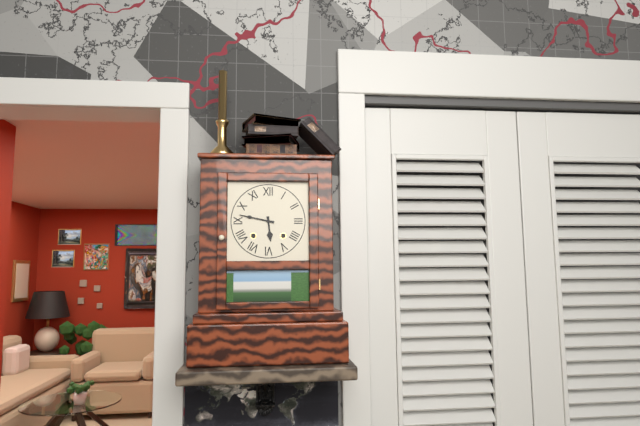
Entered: 5 h 47 min
